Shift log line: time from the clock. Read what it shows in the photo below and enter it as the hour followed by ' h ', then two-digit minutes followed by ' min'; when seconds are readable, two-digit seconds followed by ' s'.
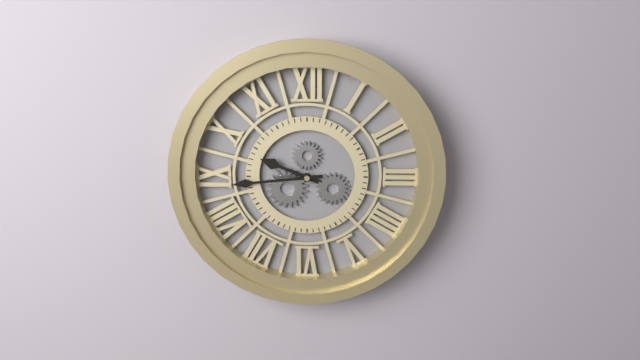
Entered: 9 h 44 min
